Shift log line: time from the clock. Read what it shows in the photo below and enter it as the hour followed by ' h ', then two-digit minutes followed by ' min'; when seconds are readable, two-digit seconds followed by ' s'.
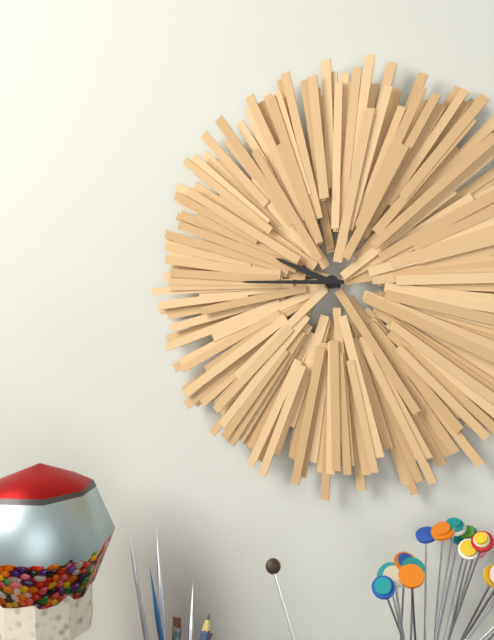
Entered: 9 h 45 min
